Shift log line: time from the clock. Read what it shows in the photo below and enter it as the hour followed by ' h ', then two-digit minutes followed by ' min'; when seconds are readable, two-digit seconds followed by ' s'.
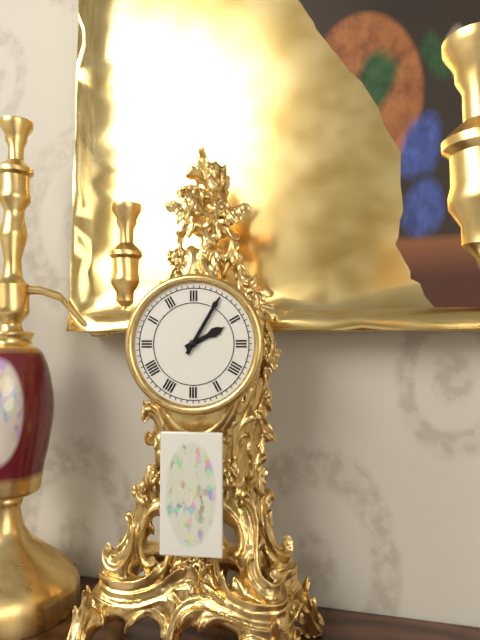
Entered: 2 h 05 min
